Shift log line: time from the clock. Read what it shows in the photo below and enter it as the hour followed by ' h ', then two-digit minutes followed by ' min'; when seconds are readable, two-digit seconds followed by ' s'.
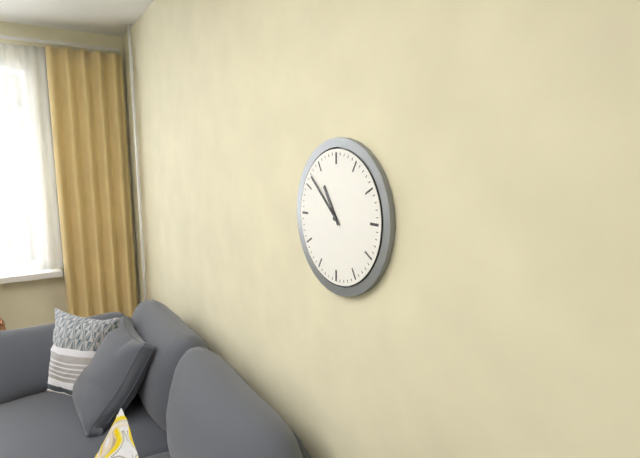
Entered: 10 h 52 min
